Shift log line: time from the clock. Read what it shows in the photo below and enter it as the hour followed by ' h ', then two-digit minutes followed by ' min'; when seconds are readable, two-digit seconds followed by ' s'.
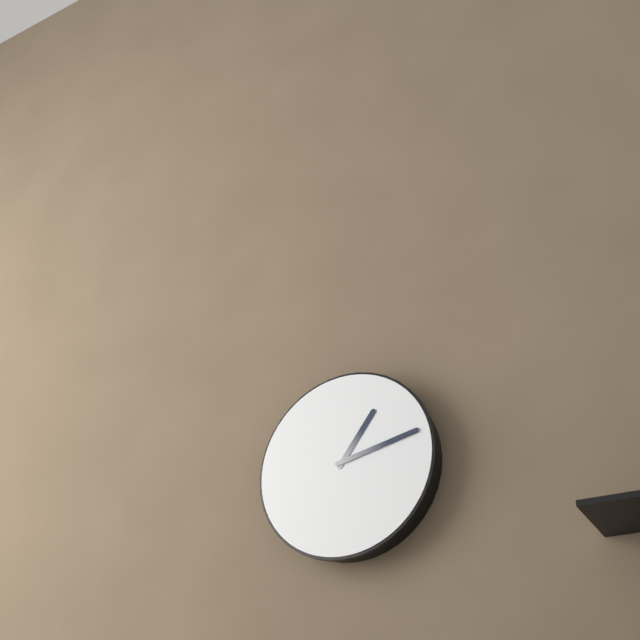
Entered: 1 h 13 min
